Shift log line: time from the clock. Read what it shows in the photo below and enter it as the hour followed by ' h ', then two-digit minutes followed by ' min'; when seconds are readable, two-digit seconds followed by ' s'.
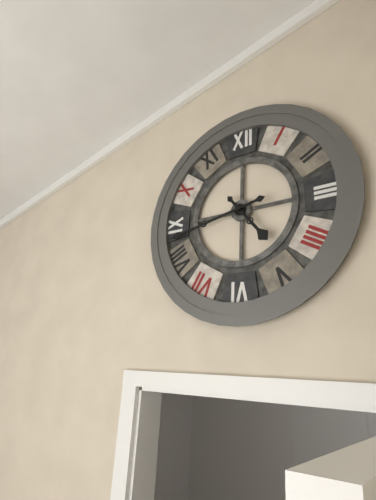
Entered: 4 h 43 min
